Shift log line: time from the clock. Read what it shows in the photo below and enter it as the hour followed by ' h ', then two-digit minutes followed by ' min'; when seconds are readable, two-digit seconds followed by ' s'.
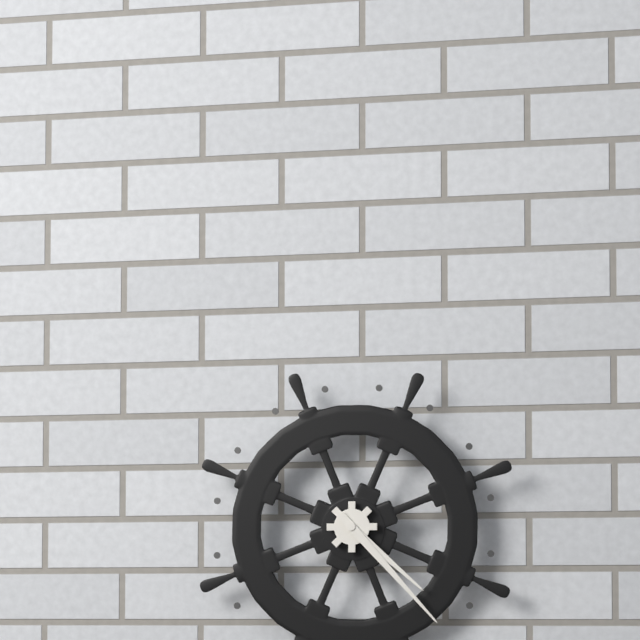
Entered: 4 h 23 min
